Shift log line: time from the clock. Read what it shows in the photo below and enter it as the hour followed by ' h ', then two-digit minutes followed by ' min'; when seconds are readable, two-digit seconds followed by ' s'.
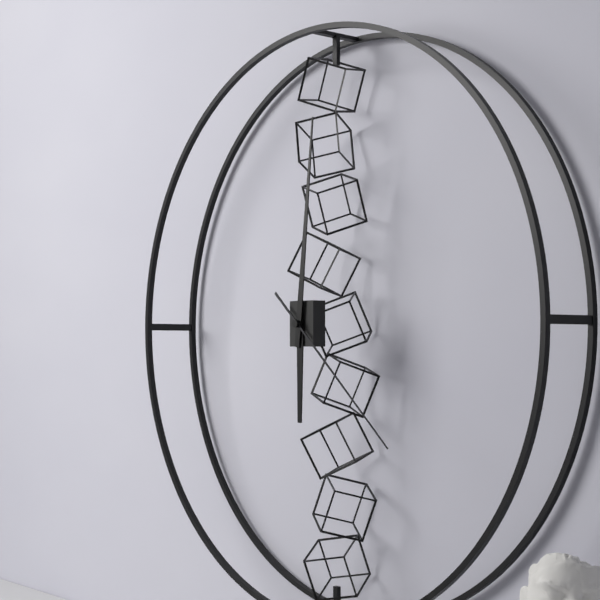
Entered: 6 h 01 min 22 s
